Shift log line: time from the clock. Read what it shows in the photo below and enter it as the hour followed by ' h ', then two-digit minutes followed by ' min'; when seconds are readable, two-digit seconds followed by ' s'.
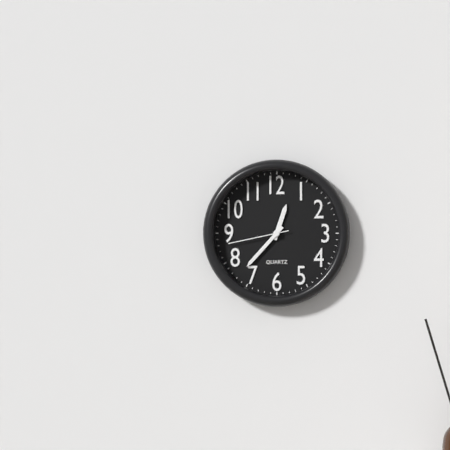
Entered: 12 h 37 min 43 s
